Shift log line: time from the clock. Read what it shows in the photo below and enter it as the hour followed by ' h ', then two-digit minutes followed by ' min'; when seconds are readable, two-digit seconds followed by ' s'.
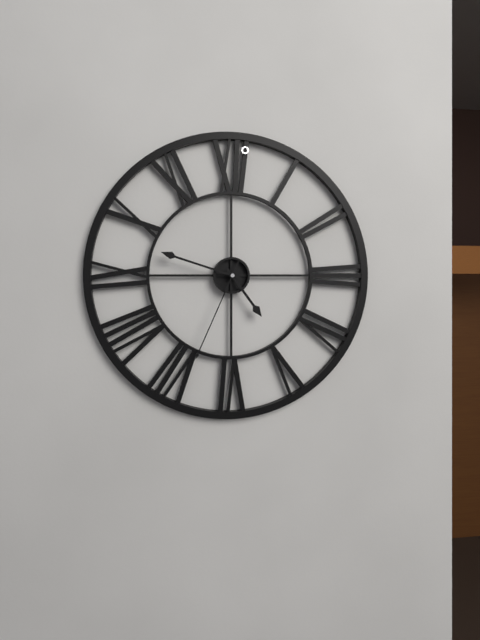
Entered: 4 h 48 min 34 s
